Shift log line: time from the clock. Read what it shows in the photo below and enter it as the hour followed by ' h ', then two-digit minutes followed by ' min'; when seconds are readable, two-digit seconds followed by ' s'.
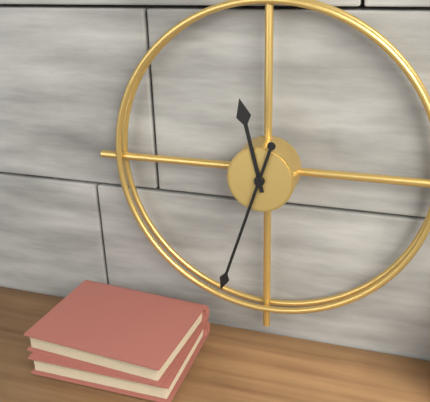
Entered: 11 h 33 min
